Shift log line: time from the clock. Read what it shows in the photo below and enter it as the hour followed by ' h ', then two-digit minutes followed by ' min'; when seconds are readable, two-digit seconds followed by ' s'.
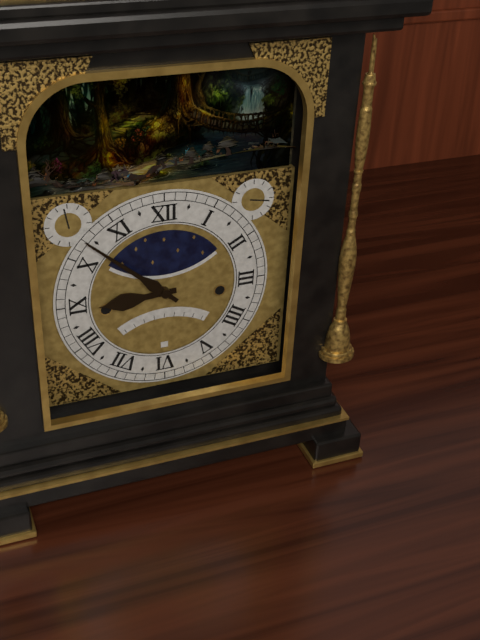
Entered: 8 h 52 min
